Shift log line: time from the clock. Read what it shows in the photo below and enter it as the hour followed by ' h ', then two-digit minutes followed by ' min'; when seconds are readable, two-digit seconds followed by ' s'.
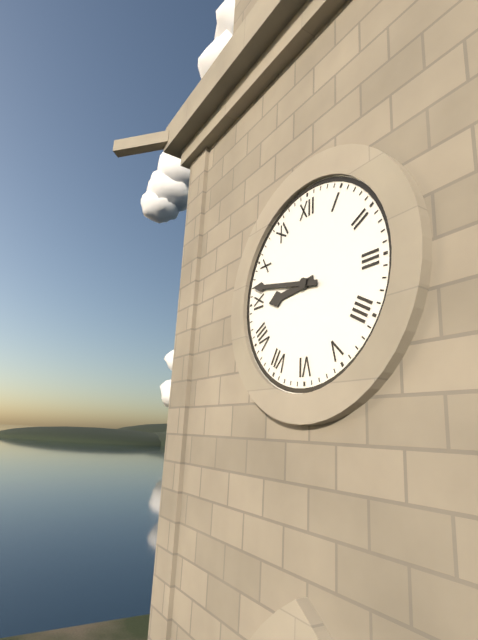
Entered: 8 h 47 min
